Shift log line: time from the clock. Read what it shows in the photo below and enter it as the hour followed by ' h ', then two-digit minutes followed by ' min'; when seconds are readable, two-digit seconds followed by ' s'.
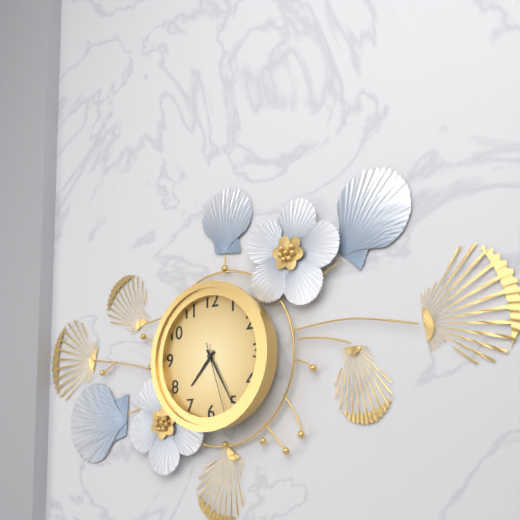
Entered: 7 h 25 min 27 s
